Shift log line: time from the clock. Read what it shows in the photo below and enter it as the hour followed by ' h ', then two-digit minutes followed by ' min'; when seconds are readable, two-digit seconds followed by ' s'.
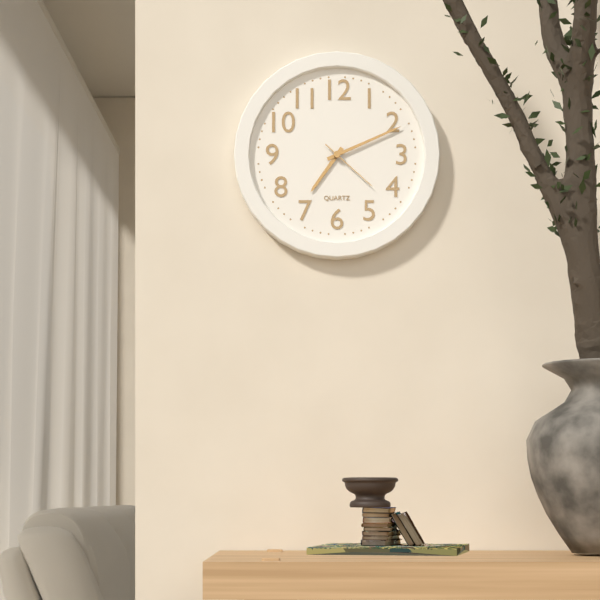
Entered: 7 h 11 min 22 s
